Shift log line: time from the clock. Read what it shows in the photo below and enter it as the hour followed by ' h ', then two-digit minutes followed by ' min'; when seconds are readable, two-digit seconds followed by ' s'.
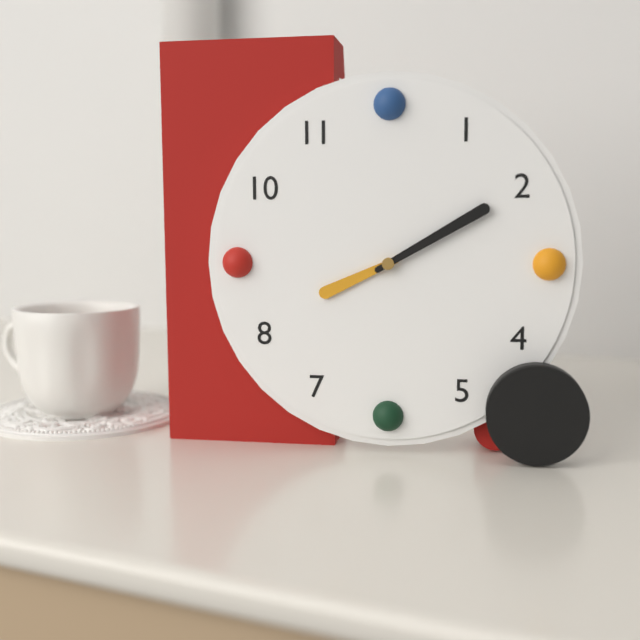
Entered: 8 h 10 min
